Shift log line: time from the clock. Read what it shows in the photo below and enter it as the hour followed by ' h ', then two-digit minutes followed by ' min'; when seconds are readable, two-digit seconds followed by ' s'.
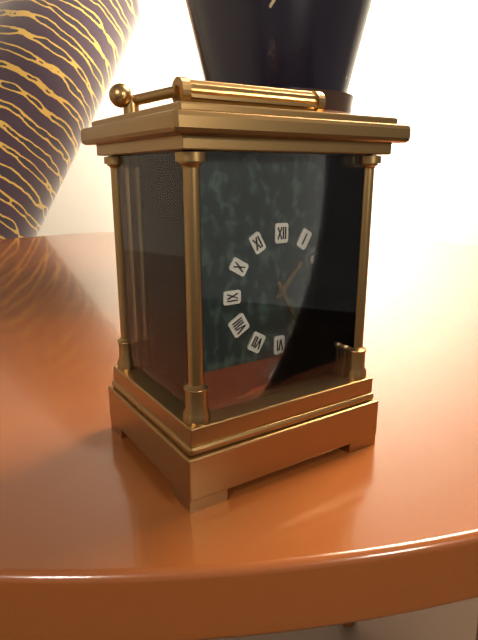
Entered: 1 h 25 min
